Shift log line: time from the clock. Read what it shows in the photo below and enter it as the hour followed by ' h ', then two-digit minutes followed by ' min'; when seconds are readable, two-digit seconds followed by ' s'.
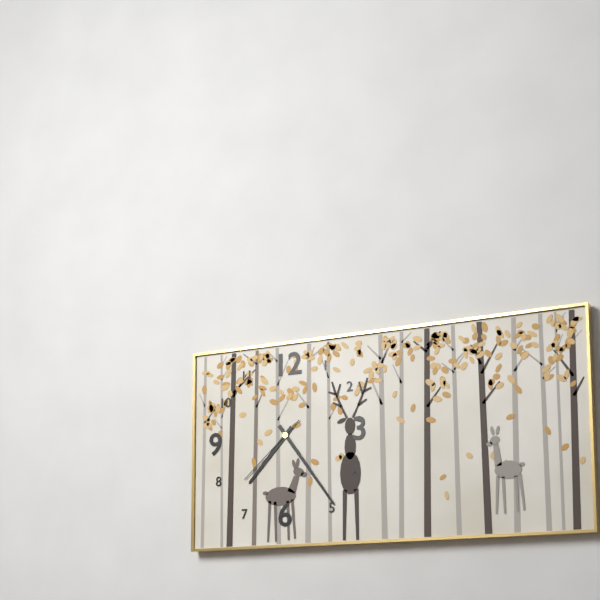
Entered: 7 h 24 min 38 s
